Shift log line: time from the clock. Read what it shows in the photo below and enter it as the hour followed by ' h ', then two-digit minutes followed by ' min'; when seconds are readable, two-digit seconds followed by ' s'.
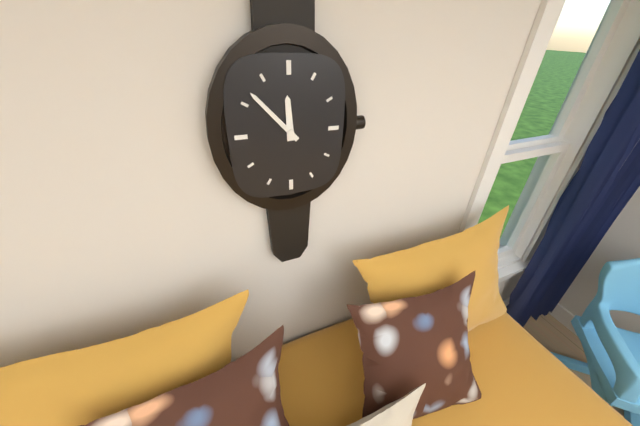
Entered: 11 h 53 min
